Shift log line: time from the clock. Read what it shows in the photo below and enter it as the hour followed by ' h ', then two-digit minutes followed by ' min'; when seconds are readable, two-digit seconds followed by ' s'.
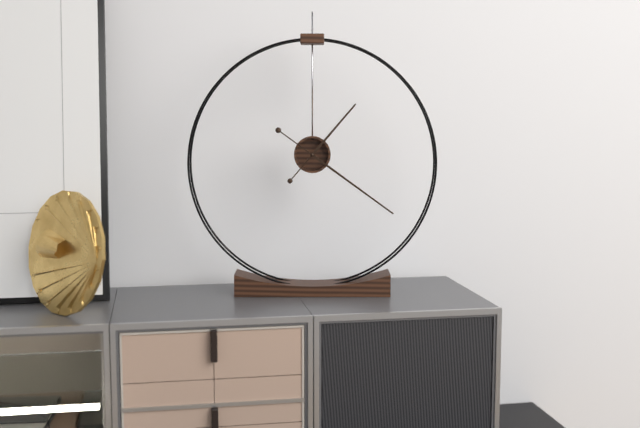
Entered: 1 h 21 min
